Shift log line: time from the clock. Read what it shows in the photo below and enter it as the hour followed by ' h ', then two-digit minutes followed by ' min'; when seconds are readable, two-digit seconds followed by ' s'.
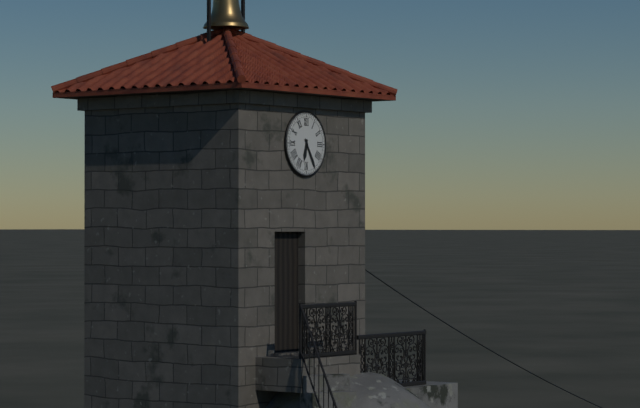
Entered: 6 h 25 min
